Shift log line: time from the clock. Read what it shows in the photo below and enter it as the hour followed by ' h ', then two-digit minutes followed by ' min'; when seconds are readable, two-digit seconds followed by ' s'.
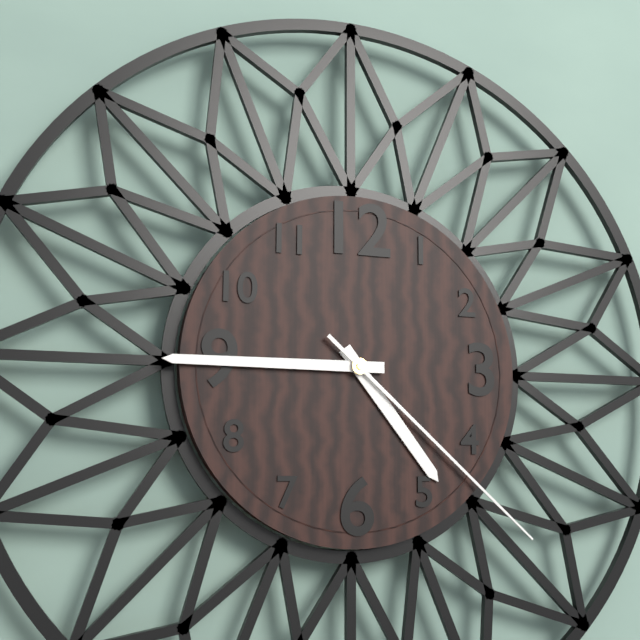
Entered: 4 h 45 min 22 s
